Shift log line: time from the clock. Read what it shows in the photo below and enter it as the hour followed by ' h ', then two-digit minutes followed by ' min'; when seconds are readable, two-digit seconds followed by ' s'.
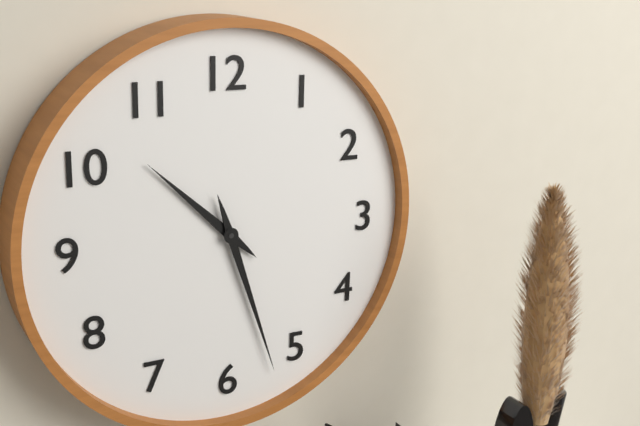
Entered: 10 h 27 min
